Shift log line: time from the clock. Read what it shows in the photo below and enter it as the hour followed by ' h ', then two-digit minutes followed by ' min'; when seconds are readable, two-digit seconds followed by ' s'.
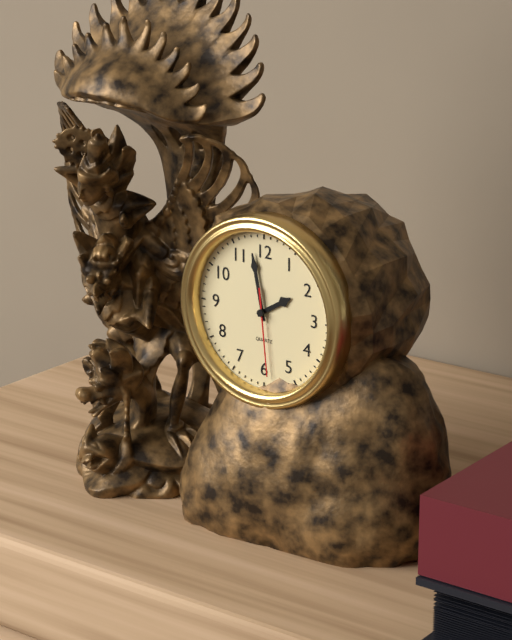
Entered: 1 h 58 min 29 s
